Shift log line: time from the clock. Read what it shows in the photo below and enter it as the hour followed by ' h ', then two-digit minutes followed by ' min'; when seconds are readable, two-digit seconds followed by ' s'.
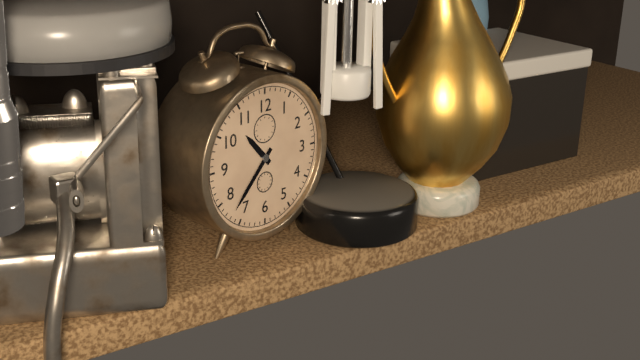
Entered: 10 h 37 min
